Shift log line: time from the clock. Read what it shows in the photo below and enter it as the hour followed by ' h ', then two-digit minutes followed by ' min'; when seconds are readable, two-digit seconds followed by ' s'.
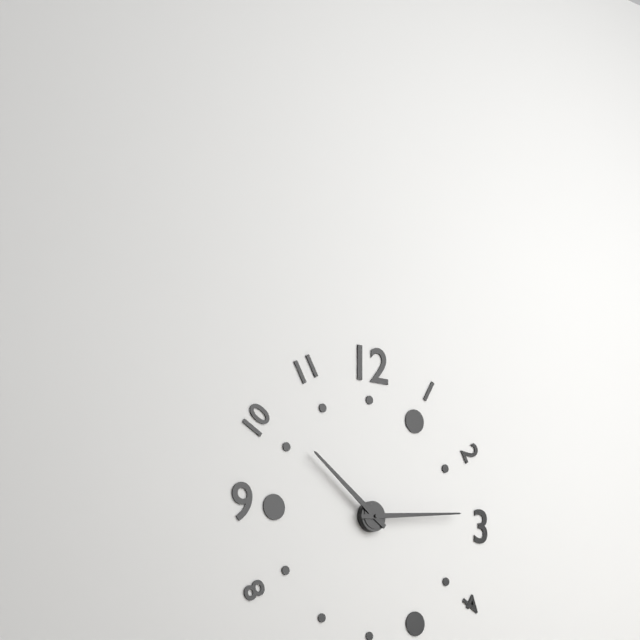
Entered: 10 h 14 min
